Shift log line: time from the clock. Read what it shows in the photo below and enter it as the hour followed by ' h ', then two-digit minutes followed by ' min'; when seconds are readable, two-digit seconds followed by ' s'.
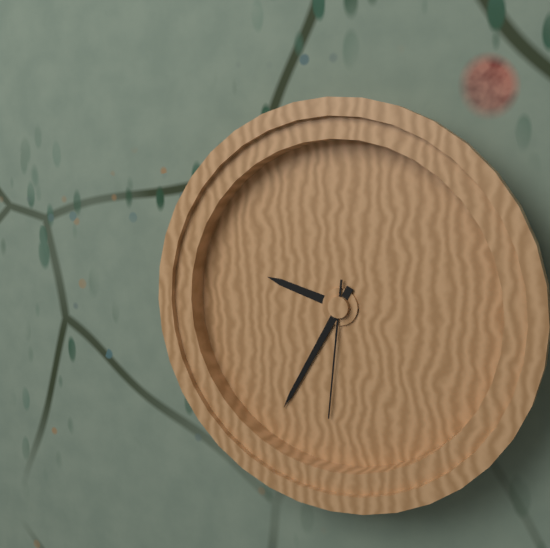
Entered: 9 h 35 min 31 s
